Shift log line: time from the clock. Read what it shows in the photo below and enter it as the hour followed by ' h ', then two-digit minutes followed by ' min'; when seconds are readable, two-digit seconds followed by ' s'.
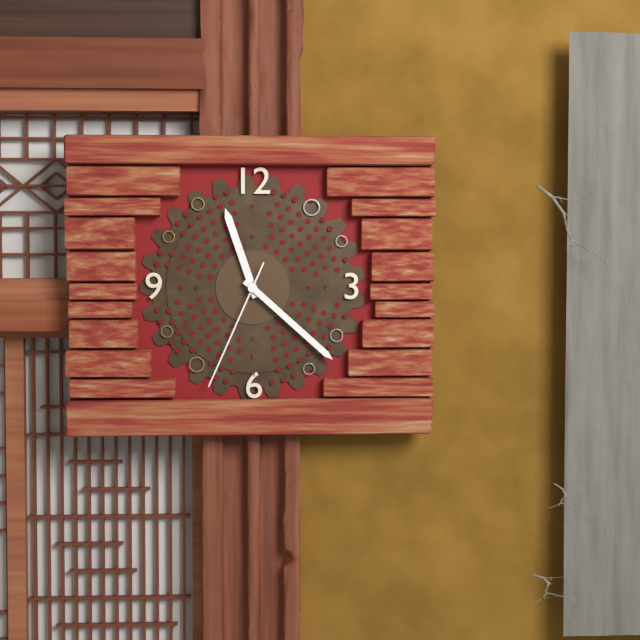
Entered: 11 h 22 min 34 s
